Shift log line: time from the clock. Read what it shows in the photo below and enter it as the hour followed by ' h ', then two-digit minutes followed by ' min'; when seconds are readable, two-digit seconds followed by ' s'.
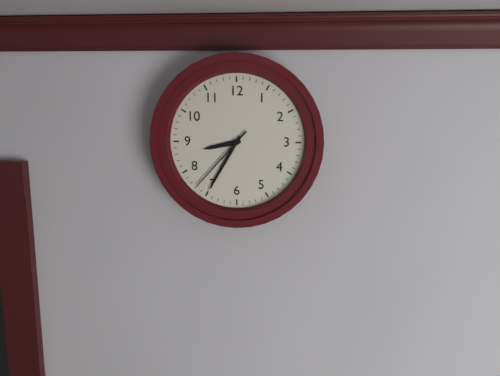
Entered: 8 h 35 min 37 s
